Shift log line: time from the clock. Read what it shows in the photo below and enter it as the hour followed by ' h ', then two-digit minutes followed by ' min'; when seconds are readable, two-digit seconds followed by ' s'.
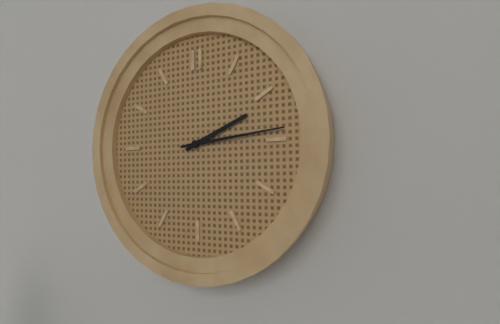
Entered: 2 h 14 min
